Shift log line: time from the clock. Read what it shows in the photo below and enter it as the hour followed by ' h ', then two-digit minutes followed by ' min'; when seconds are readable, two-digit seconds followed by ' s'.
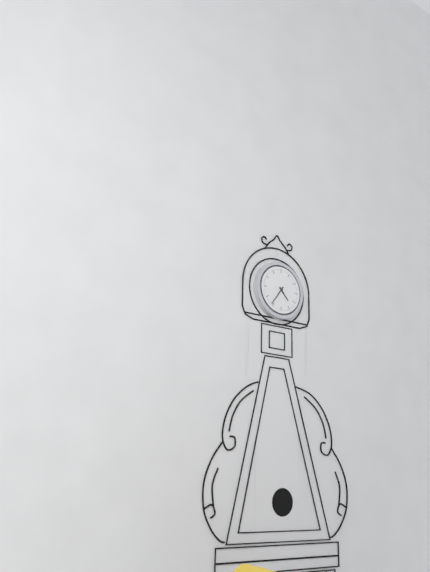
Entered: 4 h 36 min
